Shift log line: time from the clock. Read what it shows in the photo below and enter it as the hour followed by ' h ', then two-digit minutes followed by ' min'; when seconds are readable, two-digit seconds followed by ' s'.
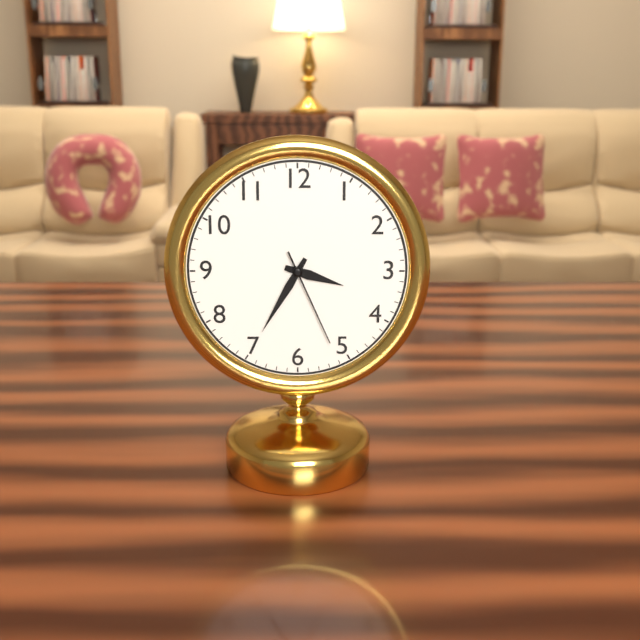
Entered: 3 h 35 min 26 s
